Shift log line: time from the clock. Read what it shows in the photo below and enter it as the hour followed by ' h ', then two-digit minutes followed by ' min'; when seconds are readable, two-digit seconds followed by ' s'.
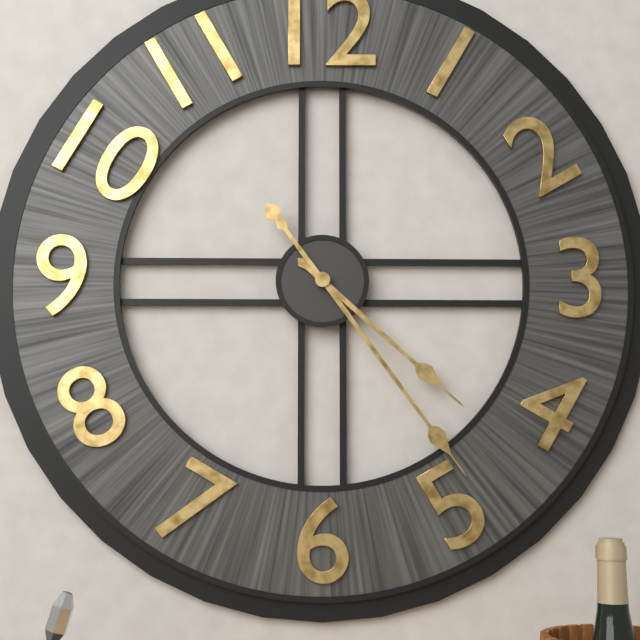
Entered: 4 h 24 min
